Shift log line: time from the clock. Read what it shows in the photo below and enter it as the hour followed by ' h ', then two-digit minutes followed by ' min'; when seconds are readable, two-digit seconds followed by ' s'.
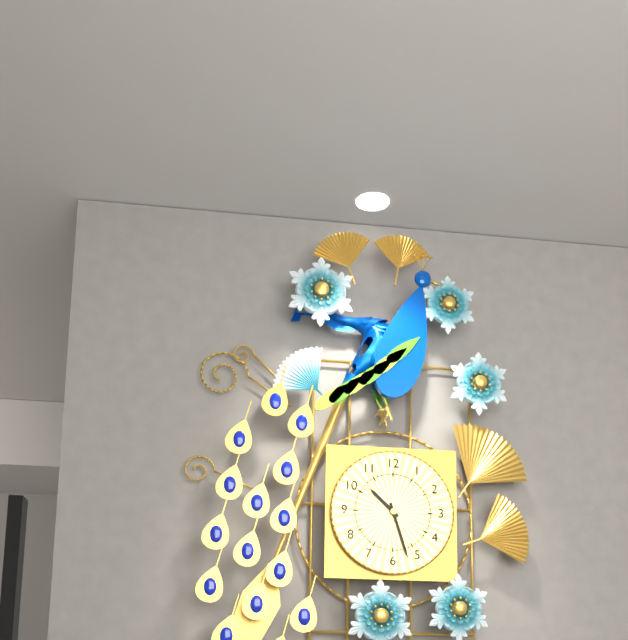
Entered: 10 h 27 min
